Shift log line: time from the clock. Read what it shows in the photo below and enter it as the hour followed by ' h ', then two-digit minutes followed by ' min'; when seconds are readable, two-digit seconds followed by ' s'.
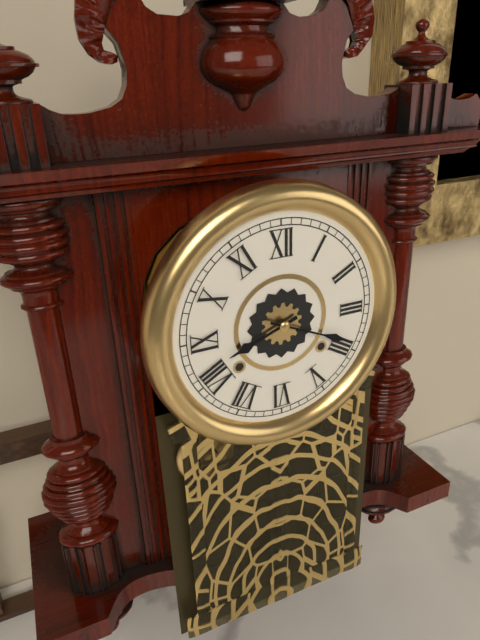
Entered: 8 h 19 min
